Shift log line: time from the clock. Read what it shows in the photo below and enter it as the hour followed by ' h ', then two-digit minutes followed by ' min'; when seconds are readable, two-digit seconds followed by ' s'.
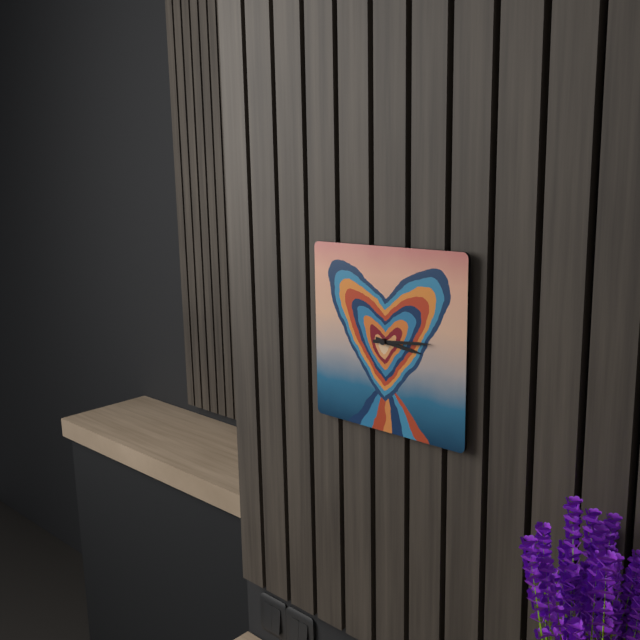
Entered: 3 h 14 min
